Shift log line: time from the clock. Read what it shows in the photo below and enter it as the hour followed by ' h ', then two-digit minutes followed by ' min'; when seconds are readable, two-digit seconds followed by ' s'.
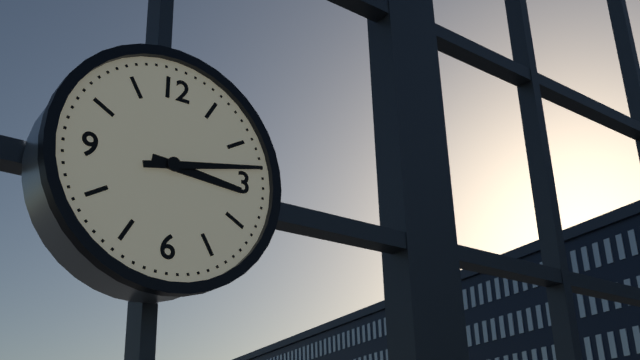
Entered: 3 h 13 min
